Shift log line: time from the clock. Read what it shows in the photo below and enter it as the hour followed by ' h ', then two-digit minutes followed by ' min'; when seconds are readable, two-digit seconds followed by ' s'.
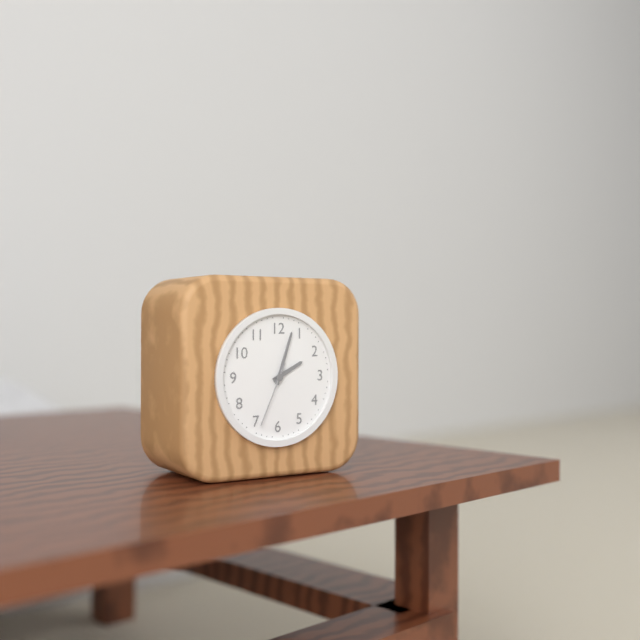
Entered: 2 h 03 min 34 s
